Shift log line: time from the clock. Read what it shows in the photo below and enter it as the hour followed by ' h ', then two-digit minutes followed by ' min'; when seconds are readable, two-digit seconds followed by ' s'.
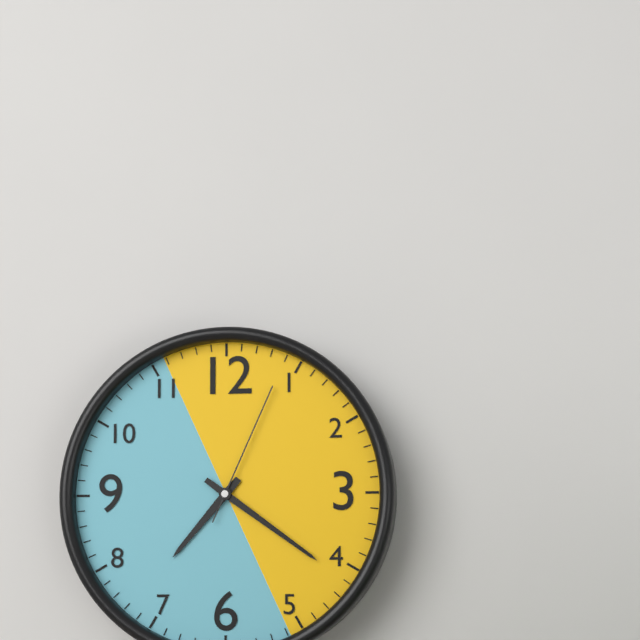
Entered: 7 h 21 min 04 s
